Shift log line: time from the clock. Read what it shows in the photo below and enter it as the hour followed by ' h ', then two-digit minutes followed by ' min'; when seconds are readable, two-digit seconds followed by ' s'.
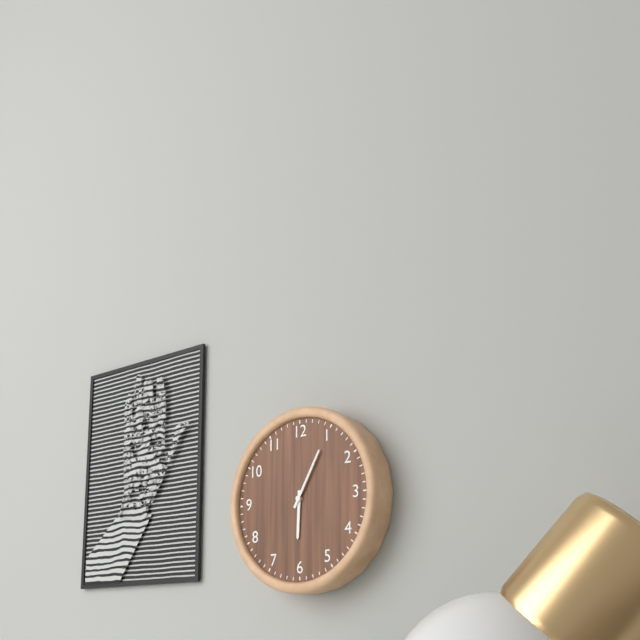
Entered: 6 h 05 min
